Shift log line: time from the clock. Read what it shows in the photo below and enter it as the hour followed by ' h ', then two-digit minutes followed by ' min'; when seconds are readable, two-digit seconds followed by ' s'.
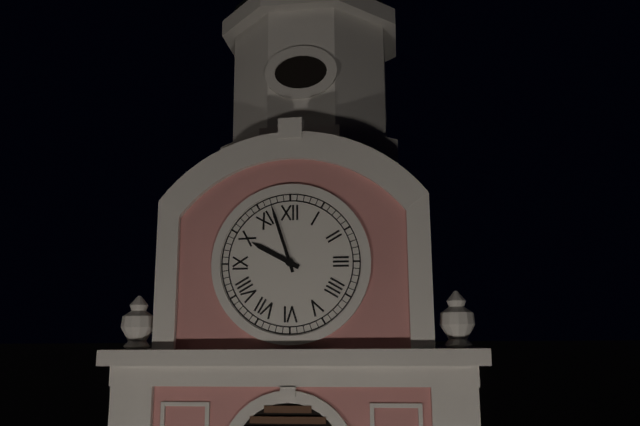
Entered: 9 h 57 min
